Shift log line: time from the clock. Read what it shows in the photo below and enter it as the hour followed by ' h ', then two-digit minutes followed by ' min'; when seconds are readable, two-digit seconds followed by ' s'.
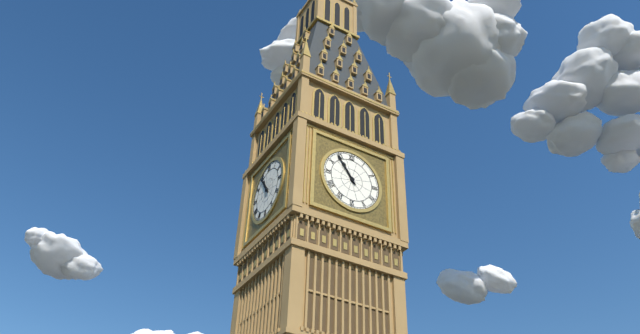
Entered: 10 h 54 min
